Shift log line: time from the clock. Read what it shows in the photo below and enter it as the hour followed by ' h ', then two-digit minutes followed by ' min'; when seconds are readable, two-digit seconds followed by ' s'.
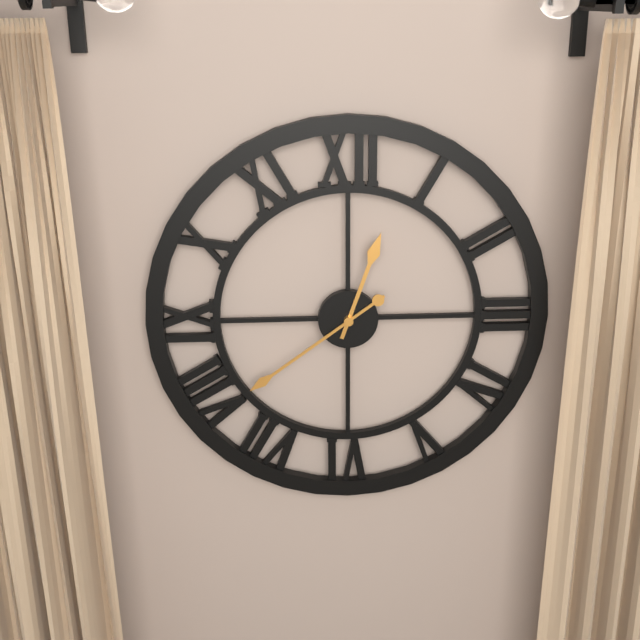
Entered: 12 h 39 min
